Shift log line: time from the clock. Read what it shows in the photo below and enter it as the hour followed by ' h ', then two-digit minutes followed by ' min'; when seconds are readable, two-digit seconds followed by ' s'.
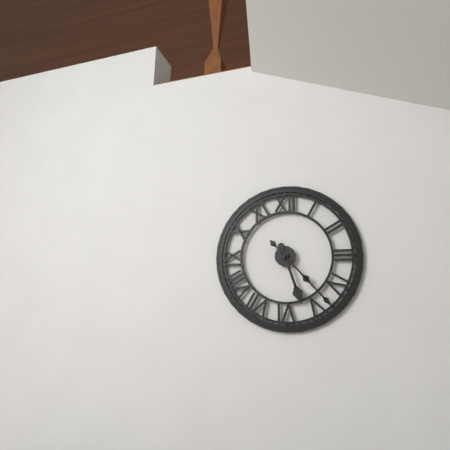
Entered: 5 h 23 min
